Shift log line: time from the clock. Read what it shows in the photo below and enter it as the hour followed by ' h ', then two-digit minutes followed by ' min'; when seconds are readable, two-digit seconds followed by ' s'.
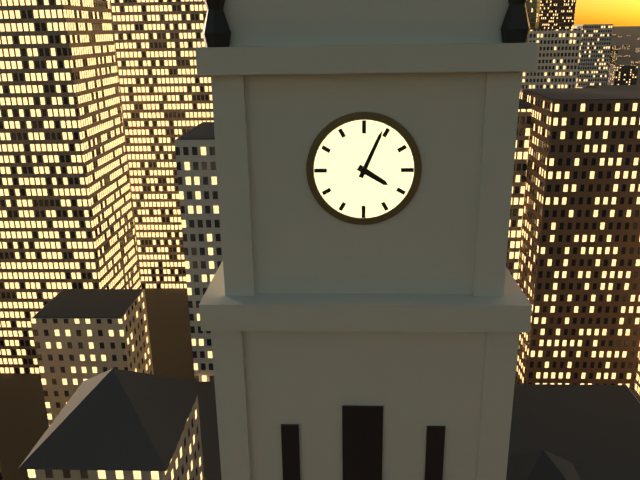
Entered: 4 h 04 min
